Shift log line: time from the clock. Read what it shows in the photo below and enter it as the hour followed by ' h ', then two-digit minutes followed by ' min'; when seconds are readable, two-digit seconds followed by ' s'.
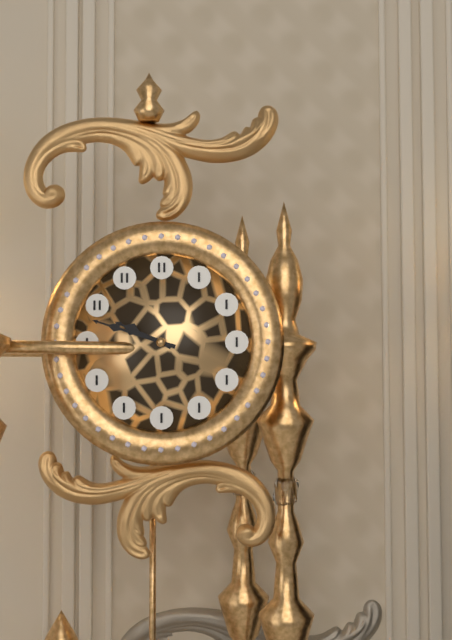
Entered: 9 h 48 min
